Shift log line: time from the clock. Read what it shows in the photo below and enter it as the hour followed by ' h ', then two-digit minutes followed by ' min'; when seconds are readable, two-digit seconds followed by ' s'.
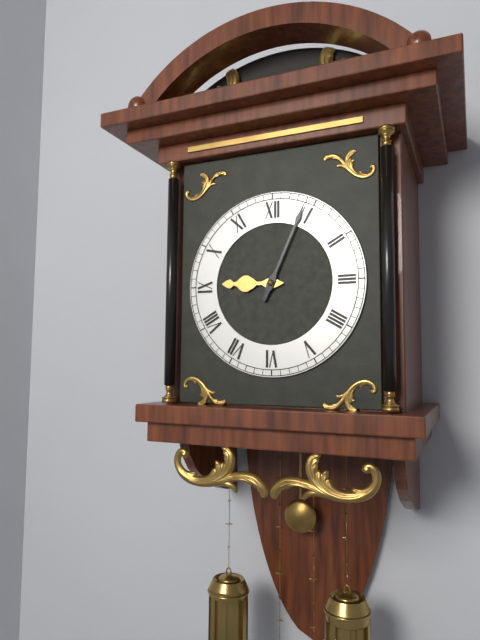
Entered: 9 h 04 min
